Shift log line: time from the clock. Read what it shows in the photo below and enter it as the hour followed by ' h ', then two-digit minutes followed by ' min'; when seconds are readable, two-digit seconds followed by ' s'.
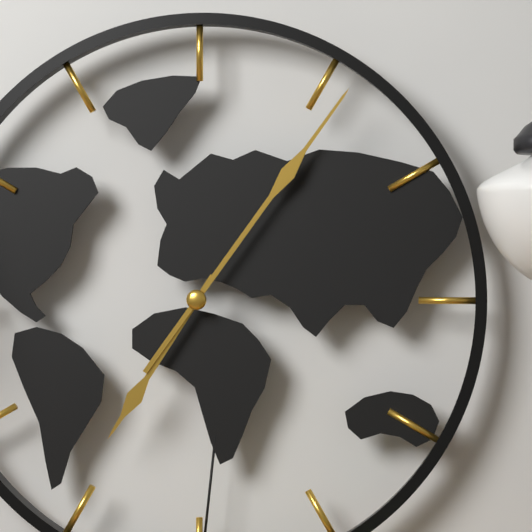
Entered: 7 h 06 min
